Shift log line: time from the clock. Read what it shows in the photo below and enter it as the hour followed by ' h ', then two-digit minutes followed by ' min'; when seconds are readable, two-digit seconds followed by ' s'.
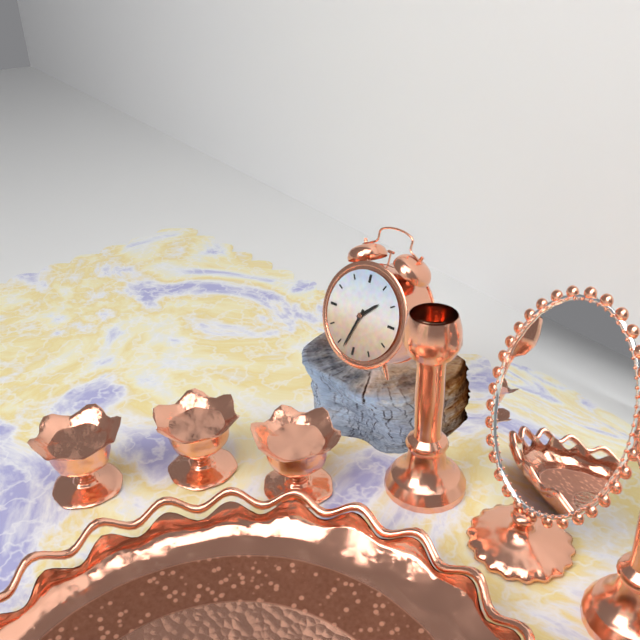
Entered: 1 h 33 min
